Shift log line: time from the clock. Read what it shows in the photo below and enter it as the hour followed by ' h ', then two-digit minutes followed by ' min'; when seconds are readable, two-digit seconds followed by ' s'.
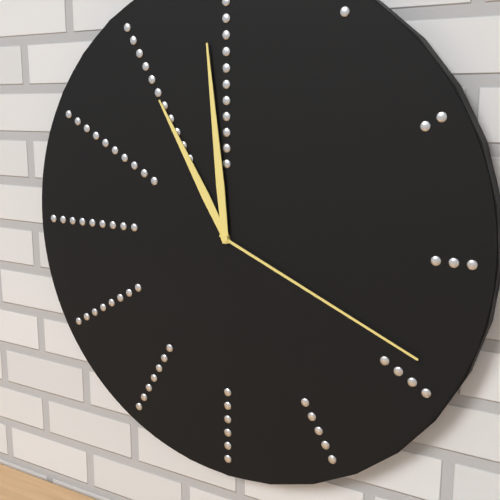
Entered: 10 h 59 min 19 s
